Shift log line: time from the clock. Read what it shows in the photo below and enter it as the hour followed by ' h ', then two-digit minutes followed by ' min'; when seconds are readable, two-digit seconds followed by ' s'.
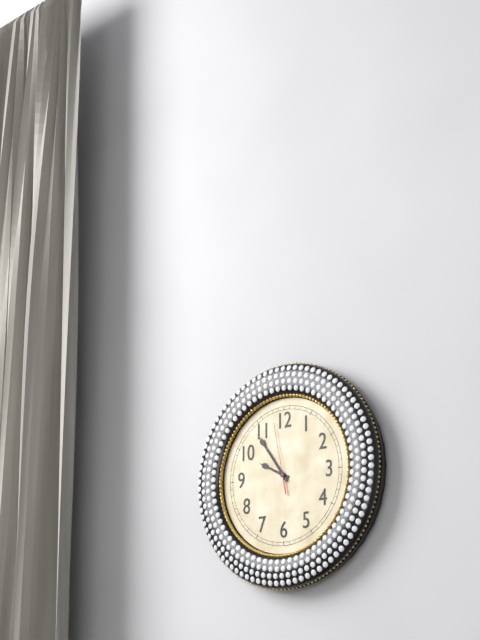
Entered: 9 h 54 min 58 s
